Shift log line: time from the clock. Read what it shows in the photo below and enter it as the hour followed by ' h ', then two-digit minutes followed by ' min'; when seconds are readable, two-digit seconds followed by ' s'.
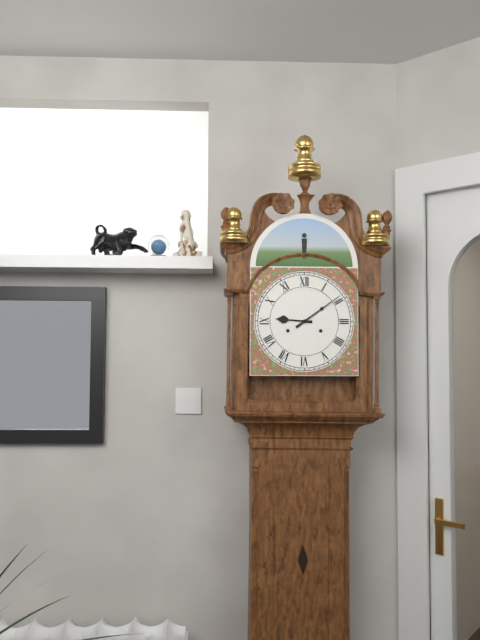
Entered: 9 h 09 min
